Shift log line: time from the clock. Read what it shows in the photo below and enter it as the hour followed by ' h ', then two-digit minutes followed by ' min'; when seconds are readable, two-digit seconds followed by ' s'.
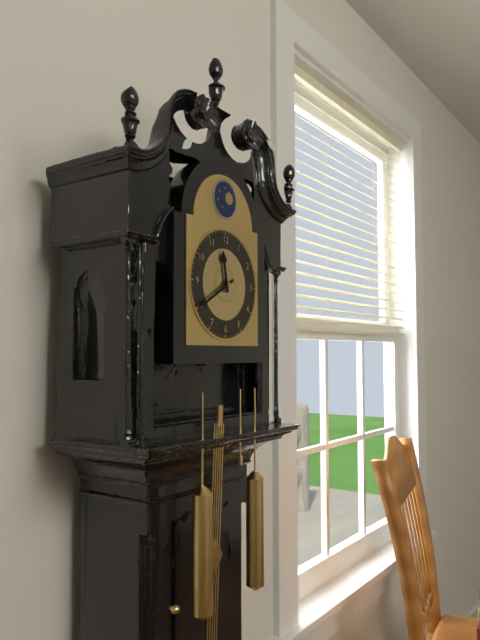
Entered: 11 h 40 min
